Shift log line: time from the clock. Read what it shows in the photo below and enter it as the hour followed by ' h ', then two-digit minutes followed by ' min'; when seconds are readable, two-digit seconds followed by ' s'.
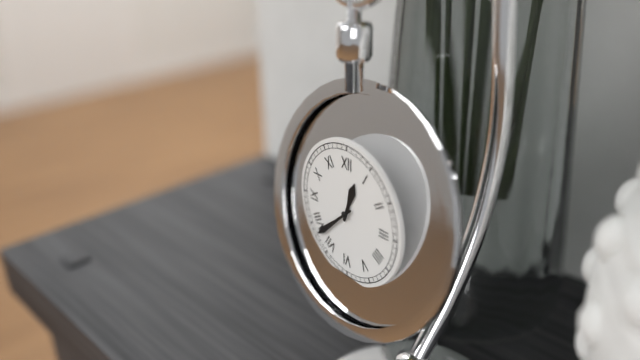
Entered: 12 h 38 min
